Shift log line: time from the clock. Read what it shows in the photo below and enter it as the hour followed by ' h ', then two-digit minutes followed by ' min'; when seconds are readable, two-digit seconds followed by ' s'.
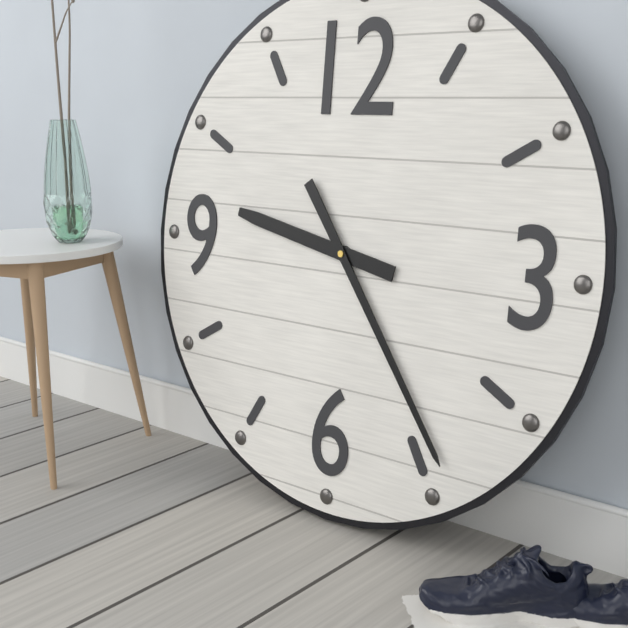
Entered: 9 h 24 min
